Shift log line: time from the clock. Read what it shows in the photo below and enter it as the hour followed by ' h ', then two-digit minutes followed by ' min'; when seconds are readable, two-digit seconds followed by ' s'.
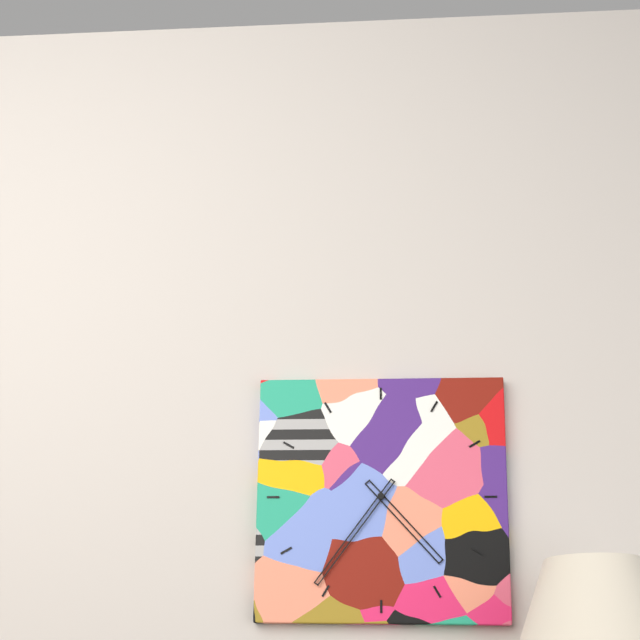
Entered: 4 h 36 min
